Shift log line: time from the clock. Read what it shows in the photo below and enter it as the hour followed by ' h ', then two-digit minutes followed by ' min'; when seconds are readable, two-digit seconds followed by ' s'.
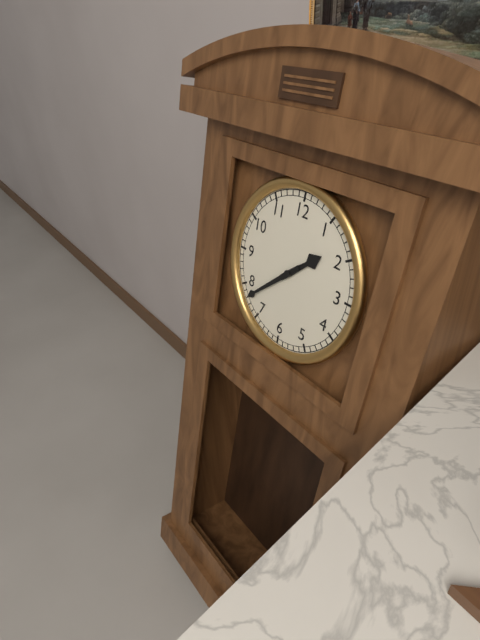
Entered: 1 h 38 min
